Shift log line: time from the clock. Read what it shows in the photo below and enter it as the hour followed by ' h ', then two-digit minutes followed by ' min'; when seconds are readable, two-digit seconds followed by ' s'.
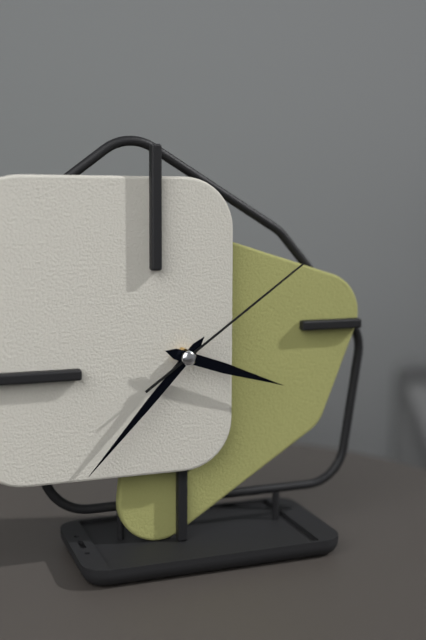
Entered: 3 h 37 min 09 s
